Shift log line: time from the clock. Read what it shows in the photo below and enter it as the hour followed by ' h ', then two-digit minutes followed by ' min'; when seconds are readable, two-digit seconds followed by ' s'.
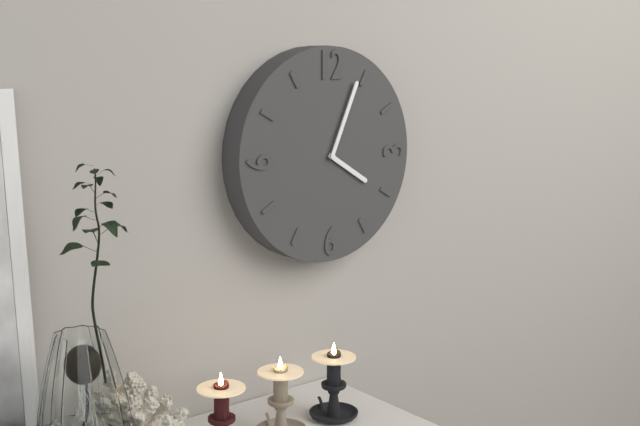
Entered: 4 h 04 min
